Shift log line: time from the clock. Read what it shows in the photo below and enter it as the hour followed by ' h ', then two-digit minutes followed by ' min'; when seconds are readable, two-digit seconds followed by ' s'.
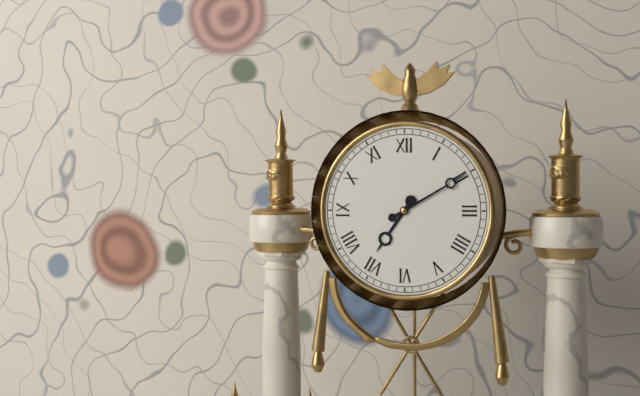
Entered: 7 h 10 min
